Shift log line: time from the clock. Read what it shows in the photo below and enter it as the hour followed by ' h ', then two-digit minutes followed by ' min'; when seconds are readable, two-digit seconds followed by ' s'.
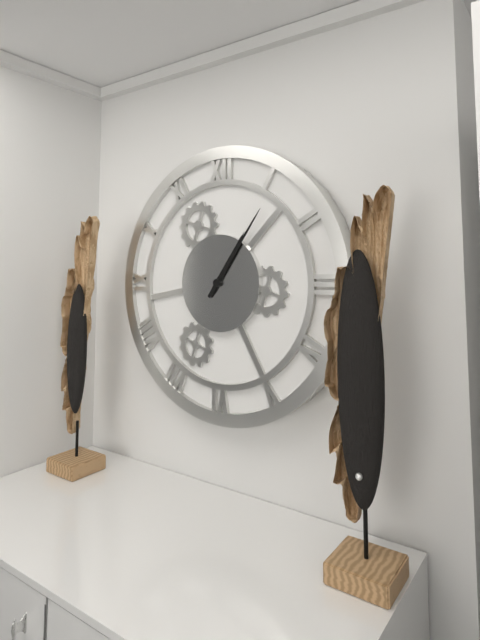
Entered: 1 h 06 min
